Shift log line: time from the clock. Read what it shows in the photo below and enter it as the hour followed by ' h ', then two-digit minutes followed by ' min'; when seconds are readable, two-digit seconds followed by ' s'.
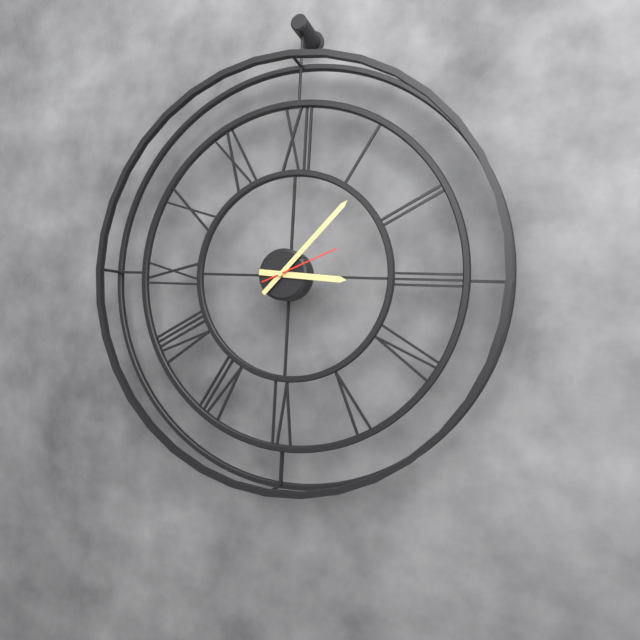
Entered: 3 h 07 min 11 s
